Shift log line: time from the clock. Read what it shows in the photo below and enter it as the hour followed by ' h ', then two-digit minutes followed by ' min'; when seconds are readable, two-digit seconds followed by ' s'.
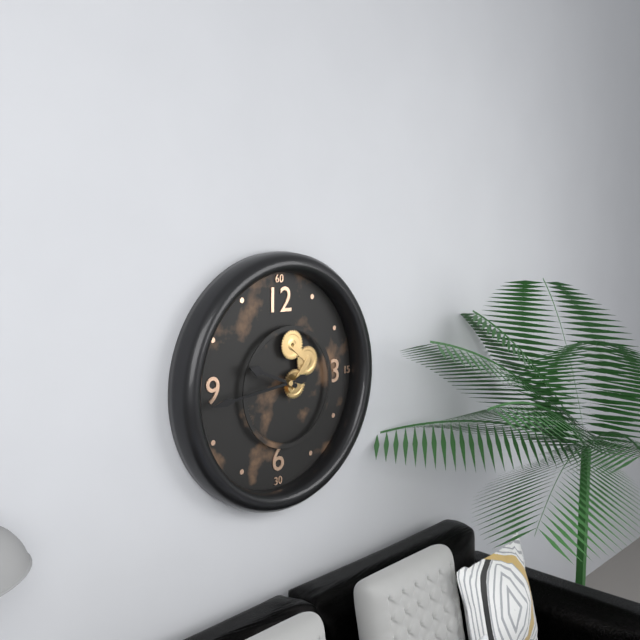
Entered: 9 h 44 min
